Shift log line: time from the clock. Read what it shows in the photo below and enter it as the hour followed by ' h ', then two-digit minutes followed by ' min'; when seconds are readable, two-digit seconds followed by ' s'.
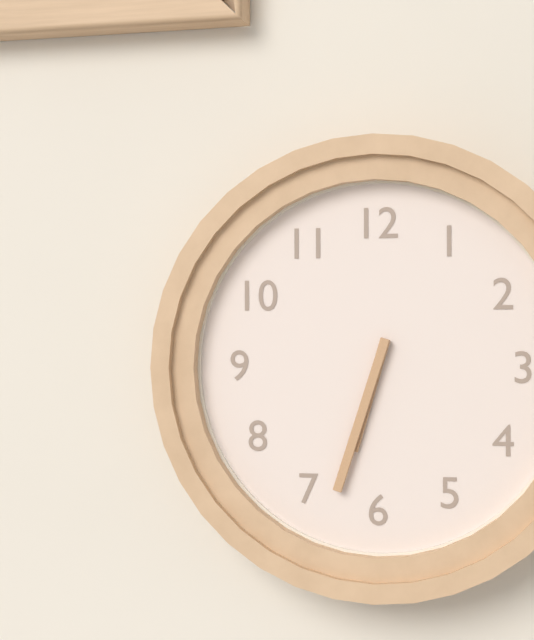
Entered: 6 h 33 min
